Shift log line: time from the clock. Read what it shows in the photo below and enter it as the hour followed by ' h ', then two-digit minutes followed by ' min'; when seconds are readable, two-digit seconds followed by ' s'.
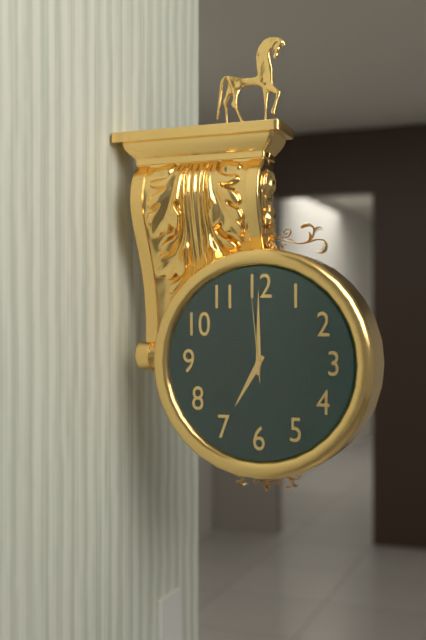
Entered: 7 h 00 min 59 s
